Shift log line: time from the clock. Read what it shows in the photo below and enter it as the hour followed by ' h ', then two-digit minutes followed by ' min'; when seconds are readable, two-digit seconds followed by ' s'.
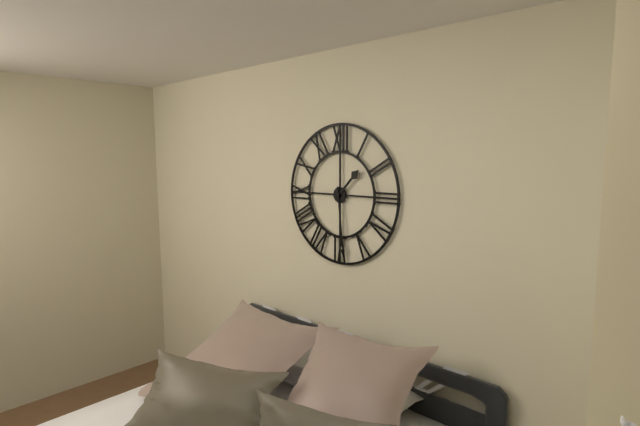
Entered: 1 h 29 min
